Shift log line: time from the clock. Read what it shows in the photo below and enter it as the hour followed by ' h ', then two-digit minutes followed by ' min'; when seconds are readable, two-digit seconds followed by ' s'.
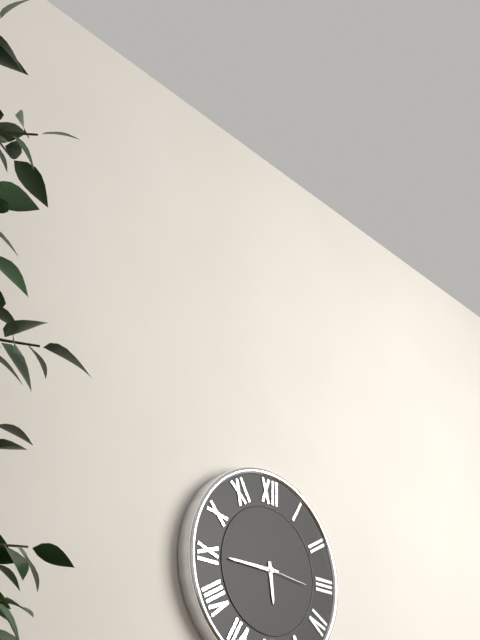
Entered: 5 h 45 min
